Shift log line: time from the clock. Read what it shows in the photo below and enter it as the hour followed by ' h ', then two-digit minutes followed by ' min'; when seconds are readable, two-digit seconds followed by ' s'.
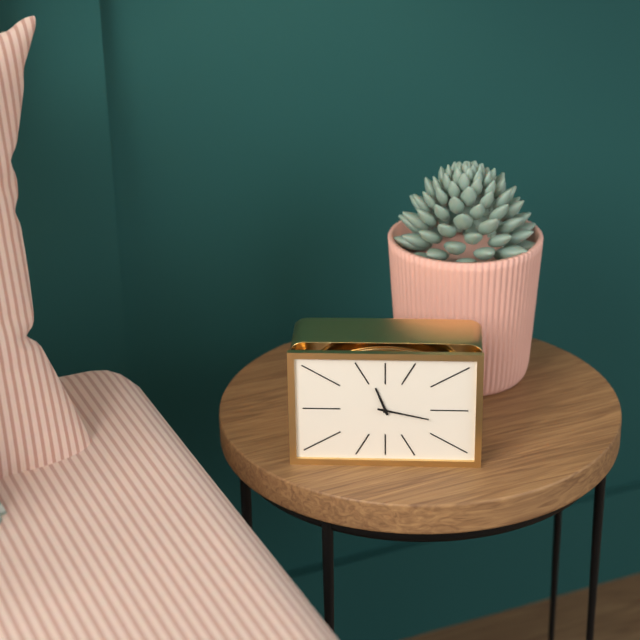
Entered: 11 h 17 min
